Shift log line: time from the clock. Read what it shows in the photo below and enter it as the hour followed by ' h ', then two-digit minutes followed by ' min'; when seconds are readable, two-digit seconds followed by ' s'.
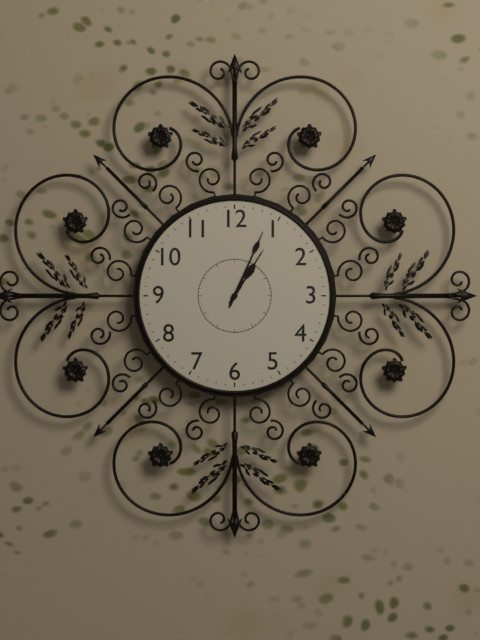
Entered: 1 h 04 min
